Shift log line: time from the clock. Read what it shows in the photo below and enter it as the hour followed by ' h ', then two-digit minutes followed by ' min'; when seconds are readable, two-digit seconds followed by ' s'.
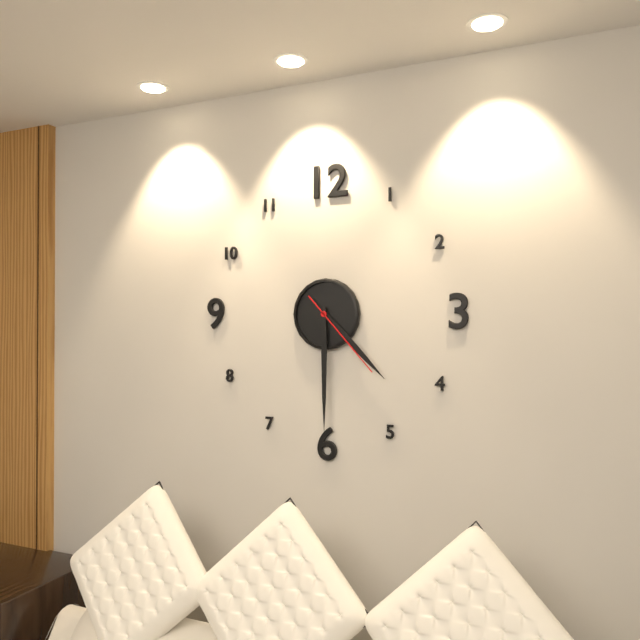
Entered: 4 h 30 min 23 s
